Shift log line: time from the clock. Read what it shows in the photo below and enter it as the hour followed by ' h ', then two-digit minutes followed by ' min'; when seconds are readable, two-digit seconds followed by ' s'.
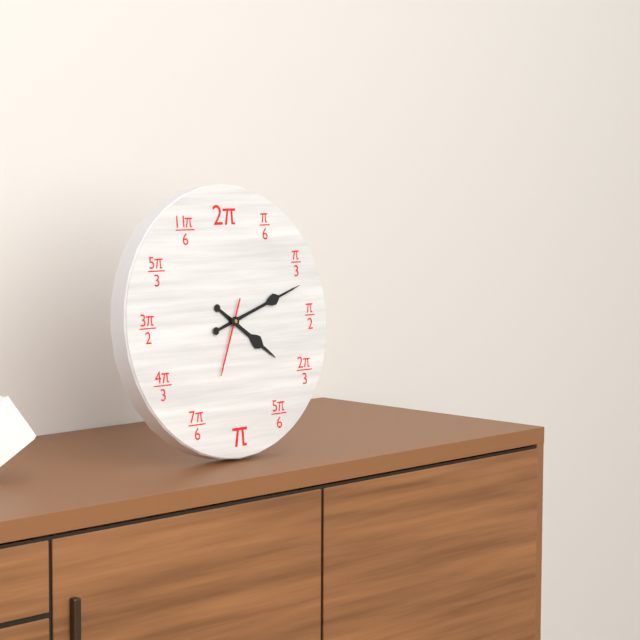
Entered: 4 h 12 min 34 s
